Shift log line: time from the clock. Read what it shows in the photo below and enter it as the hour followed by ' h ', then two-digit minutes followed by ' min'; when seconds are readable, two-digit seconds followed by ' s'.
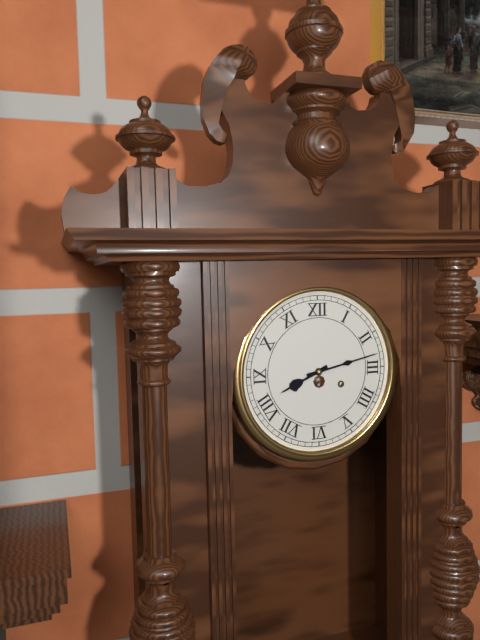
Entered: 8 h 13 min
